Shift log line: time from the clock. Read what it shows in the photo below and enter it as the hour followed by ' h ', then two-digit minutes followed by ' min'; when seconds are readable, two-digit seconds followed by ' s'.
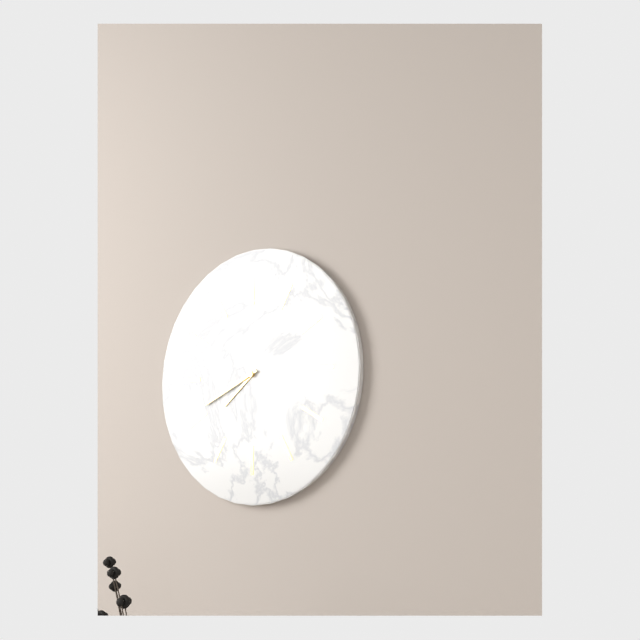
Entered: 7 h 41 min
